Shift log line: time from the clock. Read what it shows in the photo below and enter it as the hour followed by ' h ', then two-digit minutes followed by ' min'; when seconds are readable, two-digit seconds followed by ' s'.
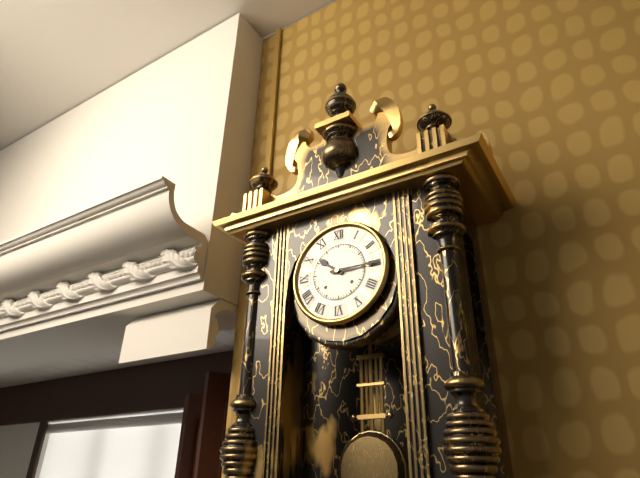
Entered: 10 h 15 min
